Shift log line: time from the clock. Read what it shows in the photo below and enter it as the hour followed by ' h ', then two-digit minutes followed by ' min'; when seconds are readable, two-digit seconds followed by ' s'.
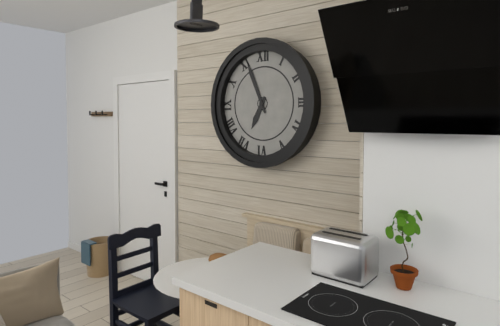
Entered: 6 h 56 min
